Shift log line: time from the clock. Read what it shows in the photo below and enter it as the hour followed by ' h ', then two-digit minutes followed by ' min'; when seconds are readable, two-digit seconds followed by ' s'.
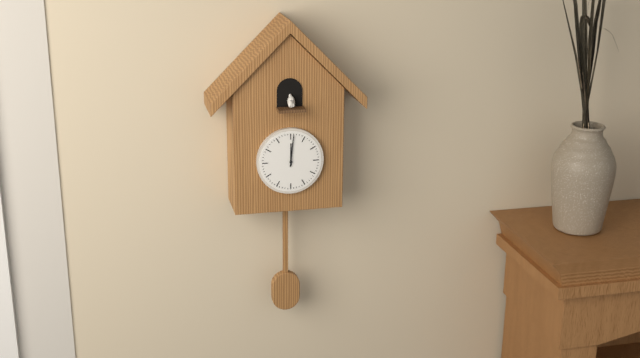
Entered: 12 h 01 min
